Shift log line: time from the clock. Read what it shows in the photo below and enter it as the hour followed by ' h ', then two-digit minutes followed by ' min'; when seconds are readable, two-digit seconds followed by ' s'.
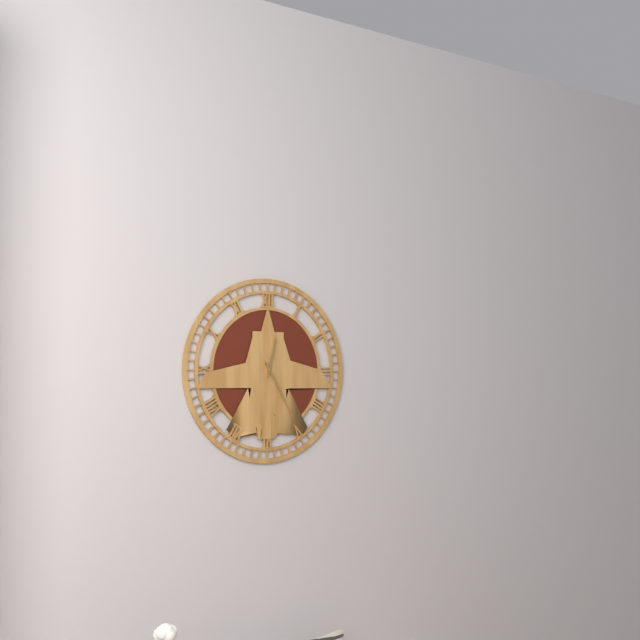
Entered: 12 h 25 min
